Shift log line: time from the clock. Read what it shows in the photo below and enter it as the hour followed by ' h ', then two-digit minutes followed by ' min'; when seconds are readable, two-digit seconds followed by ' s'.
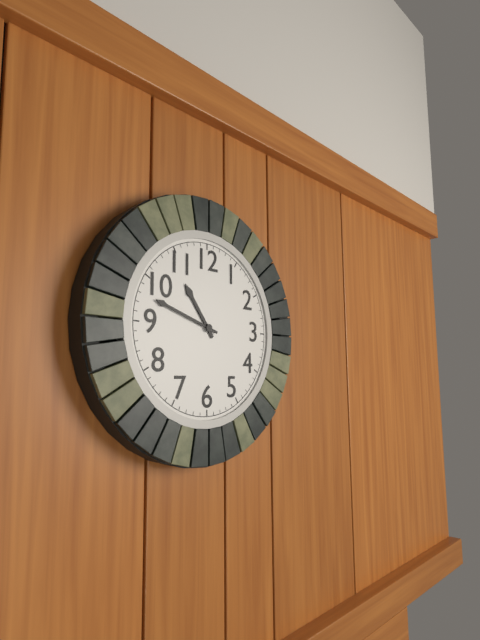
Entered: 10 h 48 min
